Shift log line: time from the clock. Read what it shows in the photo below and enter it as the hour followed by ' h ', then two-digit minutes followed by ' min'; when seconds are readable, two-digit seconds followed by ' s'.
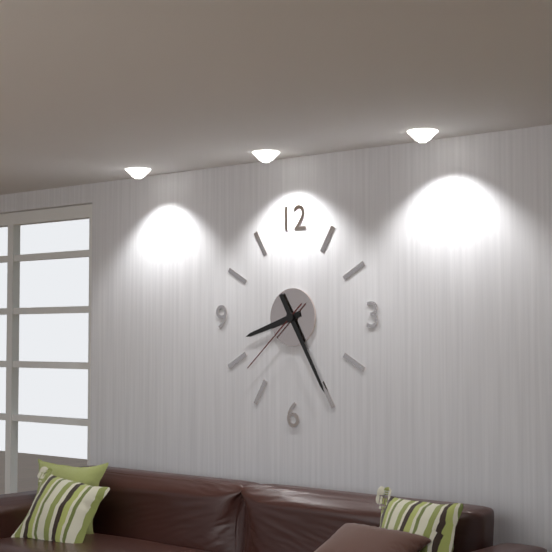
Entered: 8 h 25 min 38 s
